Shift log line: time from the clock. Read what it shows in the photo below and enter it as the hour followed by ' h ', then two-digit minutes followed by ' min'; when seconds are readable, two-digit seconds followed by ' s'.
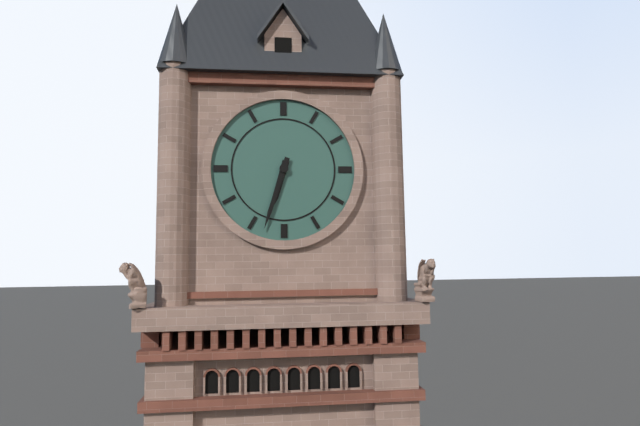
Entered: 6 h 33 min
